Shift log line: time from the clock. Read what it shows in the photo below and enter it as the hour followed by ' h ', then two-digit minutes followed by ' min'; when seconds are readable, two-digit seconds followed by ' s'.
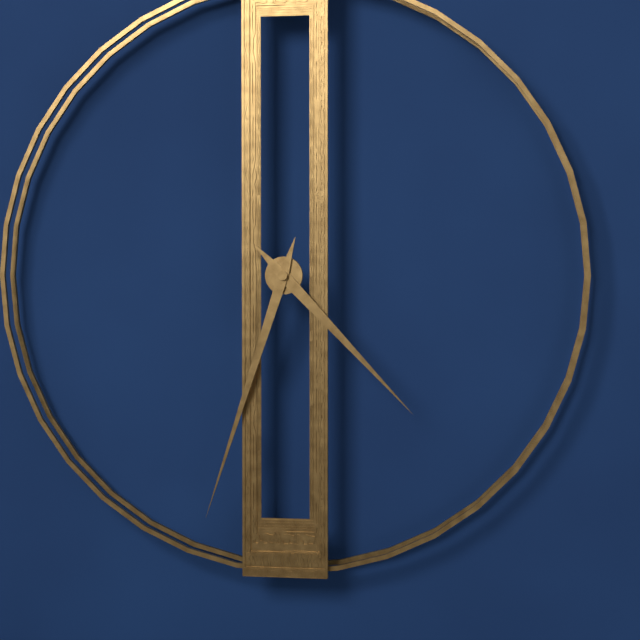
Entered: 4 h 33 min
